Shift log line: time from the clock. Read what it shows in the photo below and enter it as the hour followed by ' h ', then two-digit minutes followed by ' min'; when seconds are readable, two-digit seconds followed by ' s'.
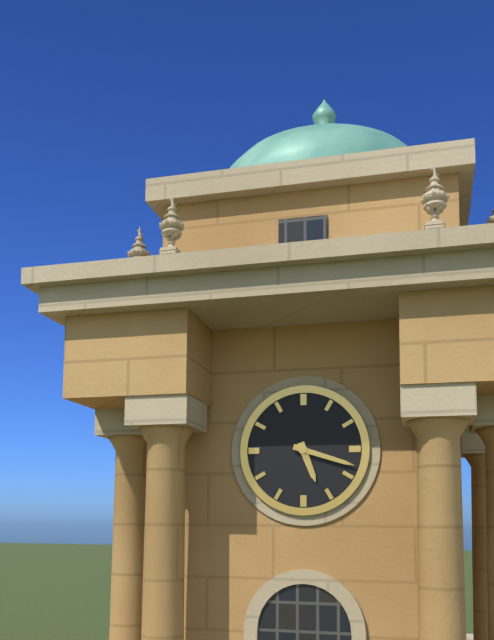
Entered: 5 h 18 min
